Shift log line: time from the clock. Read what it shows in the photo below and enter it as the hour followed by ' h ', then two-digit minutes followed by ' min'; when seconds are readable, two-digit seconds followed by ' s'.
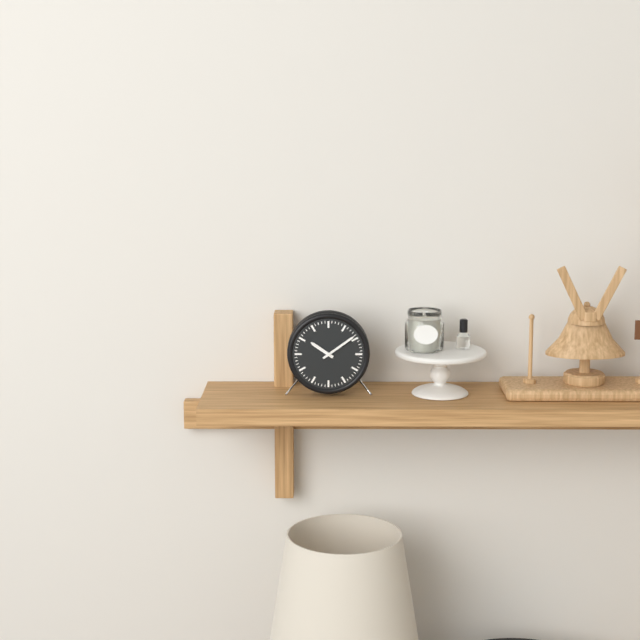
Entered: 10 h 09 min
